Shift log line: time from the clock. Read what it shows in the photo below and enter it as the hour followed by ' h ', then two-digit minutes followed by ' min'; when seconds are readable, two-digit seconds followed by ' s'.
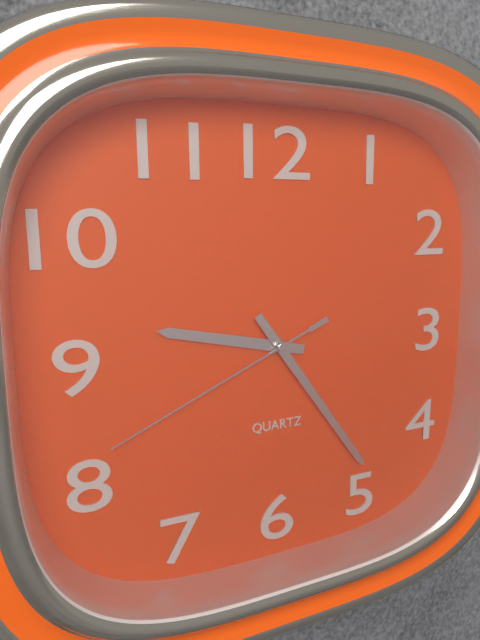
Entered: 9 h 24 min 41 s
